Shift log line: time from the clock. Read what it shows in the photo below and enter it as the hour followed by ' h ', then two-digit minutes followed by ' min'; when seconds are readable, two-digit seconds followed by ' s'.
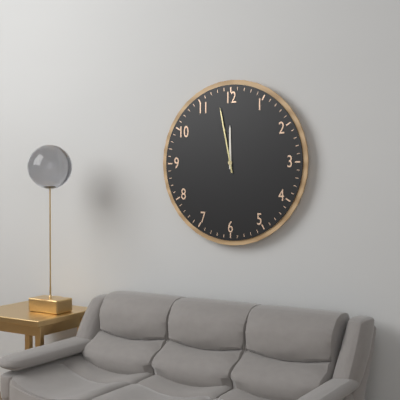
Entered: 11 h 58 min
